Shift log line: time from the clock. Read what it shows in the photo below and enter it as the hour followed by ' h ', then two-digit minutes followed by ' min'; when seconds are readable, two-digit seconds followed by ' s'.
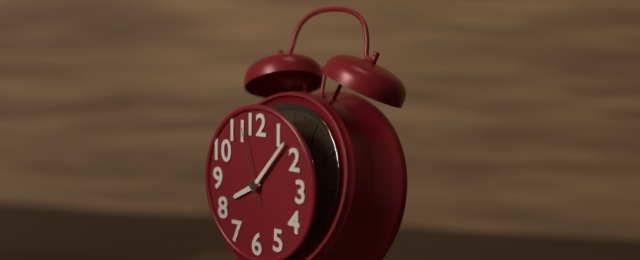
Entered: 8 h 07 min 57 s
